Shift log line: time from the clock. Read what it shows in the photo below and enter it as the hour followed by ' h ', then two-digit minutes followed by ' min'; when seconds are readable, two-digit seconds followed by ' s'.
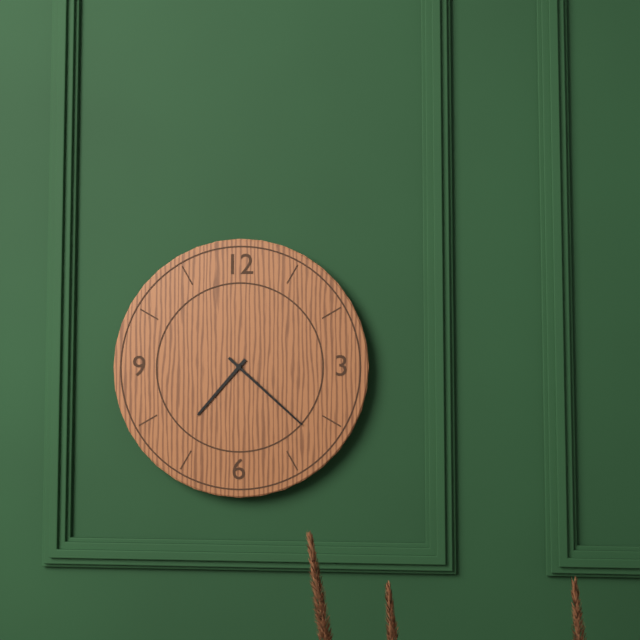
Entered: 7 h 22 min
